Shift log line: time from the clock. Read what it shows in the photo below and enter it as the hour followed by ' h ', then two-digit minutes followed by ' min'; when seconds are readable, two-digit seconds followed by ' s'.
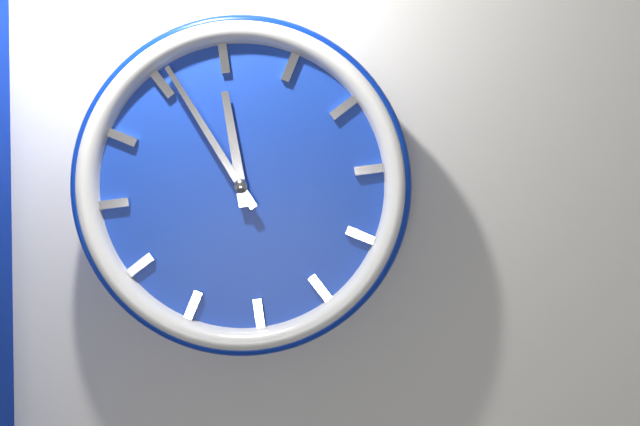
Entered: 11 h 56 min
